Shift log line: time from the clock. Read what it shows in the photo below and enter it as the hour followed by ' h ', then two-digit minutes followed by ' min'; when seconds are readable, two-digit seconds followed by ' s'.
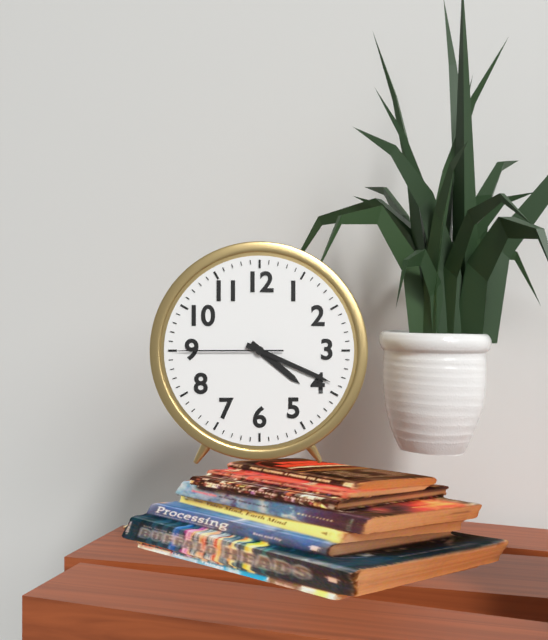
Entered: 4 h 19 min 45 s
